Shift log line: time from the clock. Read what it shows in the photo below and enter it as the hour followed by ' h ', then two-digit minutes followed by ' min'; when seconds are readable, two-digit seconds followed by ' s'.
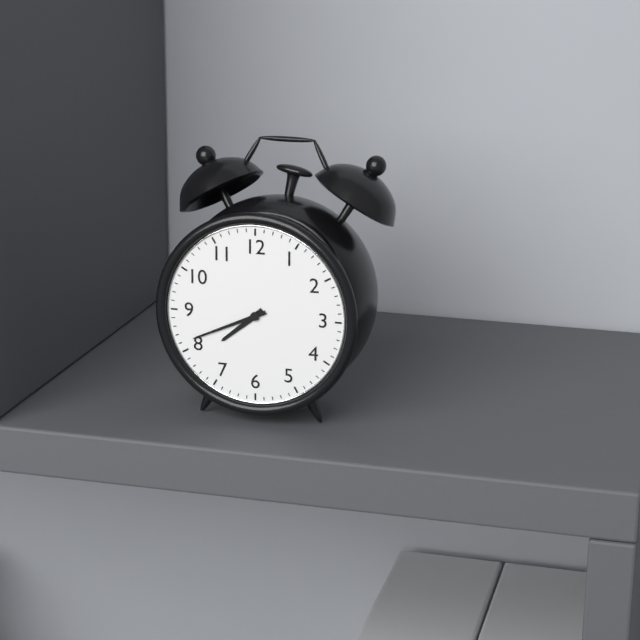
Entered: 7 h 41 min
